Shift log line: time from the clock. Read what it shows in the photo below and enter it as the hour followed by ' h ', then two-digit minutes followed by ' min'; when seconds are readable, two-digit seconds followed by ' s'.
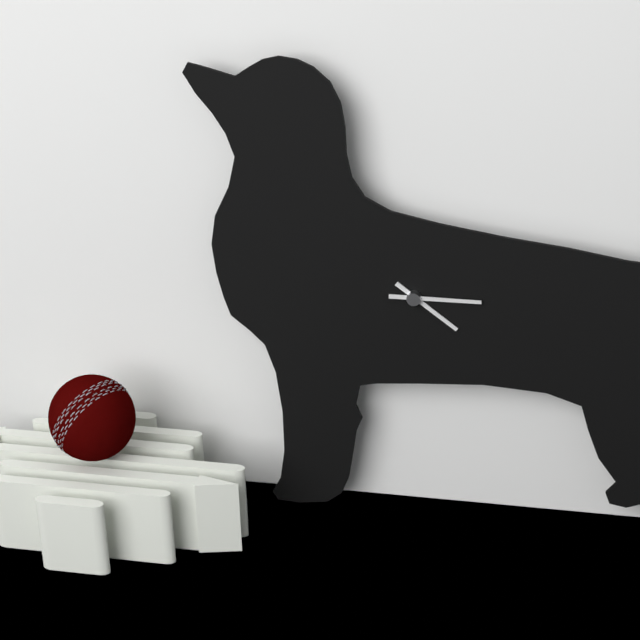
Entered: 4 h 15 min
